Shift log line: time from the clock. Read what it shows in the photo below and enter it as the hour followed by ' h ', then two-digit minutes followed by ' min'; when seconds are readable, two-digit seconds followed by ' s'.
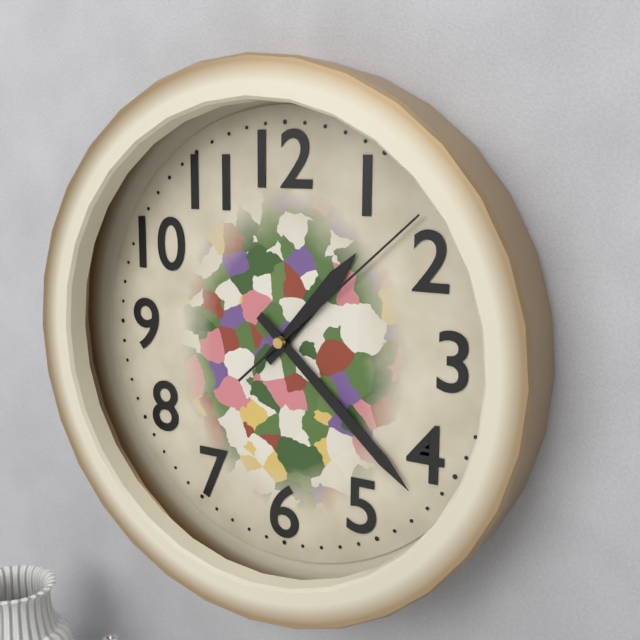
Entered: 1 h 22 min 08 s
